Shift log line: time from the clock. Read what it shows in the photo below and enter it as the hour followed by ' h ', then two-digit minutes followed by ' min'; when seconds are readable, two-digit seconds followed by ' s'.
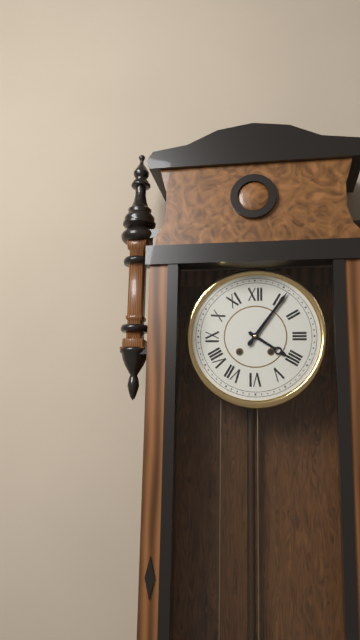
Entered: 4 h 06 min
